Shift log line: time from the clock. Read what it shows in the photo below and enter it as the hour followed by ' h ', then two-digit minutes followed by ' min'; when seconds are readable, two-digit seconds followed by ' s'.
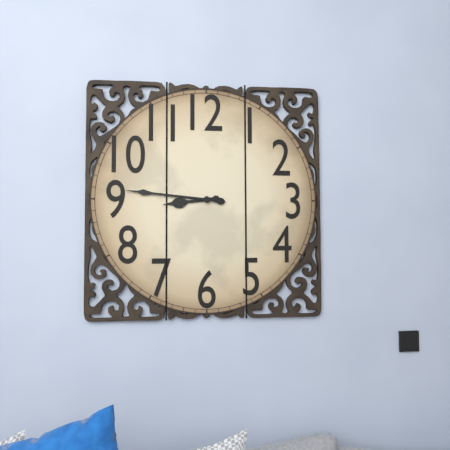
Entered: 8 h 46 min
